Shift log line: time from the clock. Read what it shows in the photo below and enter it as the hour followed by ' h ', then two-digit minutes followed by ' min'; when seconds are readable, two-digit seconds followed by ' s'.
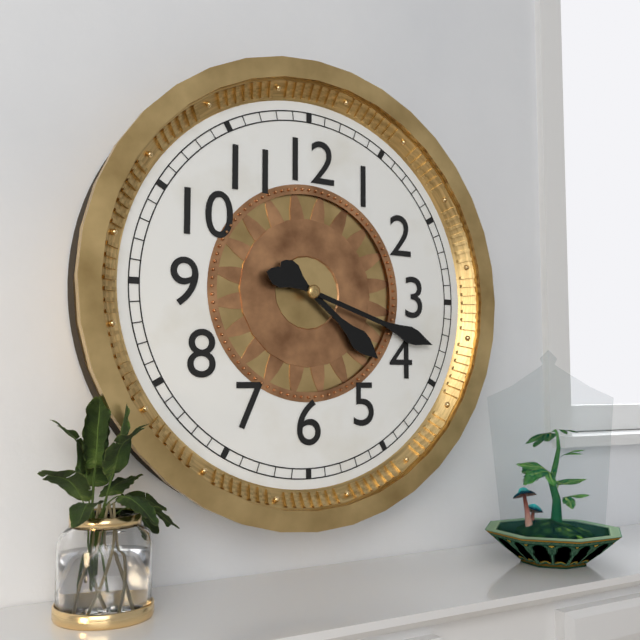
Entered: 4 h 18 min
